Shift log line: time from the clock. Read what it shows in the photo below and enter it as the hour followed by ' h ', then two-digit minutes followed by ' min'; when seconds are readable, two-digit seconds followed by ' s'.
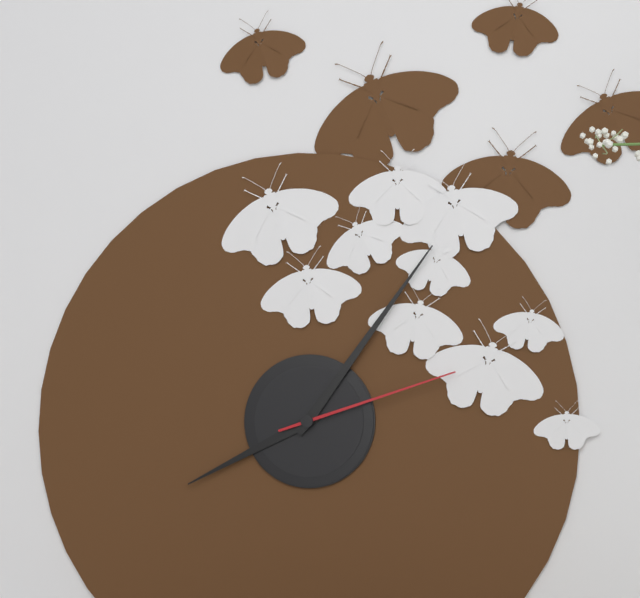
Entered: 8 h 06 min 12 s
